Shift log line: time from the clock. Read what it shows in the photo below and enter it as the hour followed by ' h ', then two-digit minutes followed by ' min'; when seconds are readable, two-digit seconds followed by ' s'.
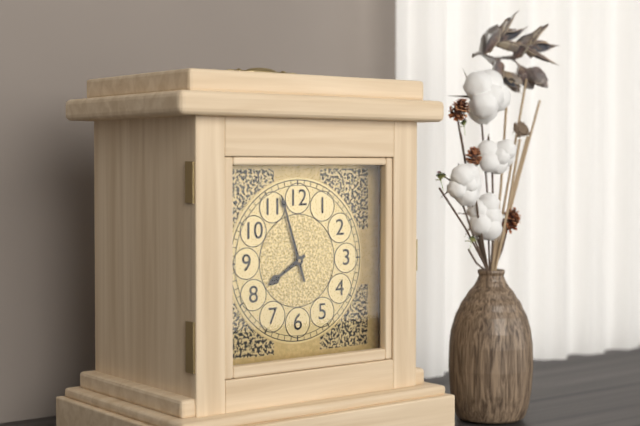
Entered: 7 h 57 min
